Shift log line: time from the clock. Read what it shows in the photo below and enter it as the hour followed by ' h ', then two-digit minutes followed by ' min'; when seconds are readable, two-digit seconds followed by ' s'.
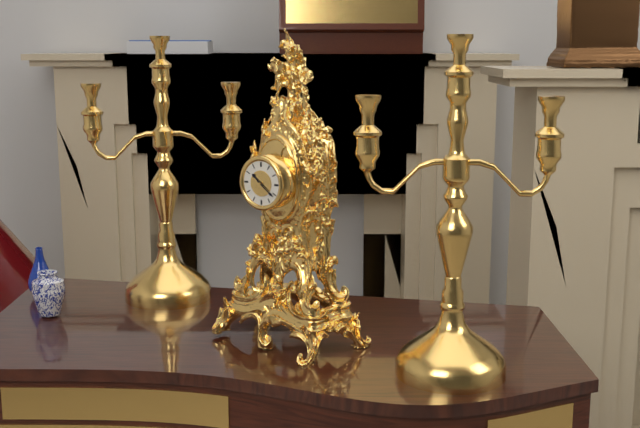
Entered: 10 h 21 min
